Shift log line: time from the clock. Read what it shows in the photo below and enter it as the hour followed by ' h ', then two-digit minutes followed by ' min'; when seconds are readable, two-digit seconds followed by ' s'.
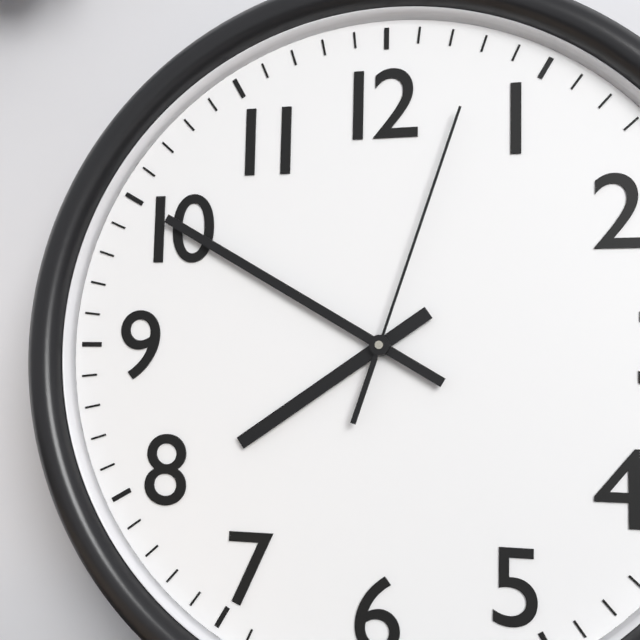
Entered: 7 h 50 min 03 s
